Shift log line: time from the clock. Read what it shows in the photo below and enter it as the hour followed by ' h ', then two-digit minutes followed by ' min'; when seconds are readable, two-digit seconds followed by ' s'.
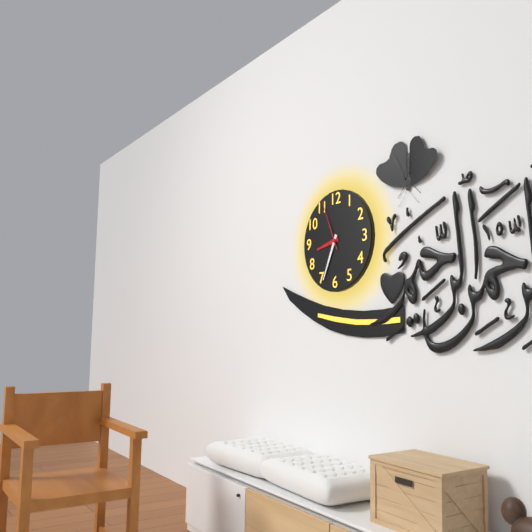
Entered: 8 h 34 min 56 s
